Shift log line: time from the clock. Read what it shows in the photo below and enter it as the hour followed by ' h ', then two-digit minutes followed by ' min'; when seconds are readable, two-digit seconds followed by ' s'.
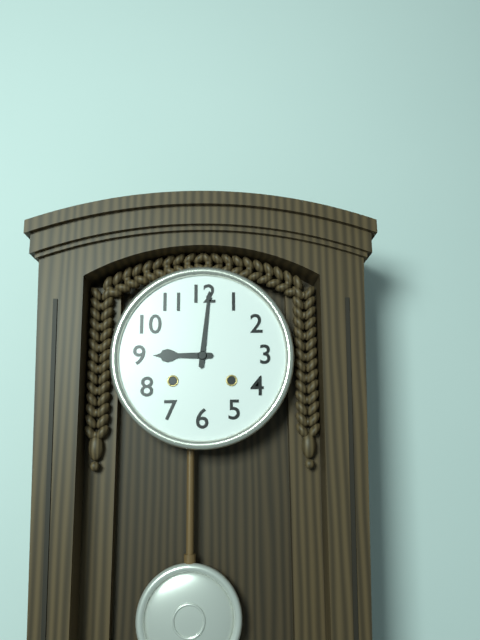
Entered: 9 h 01 min
